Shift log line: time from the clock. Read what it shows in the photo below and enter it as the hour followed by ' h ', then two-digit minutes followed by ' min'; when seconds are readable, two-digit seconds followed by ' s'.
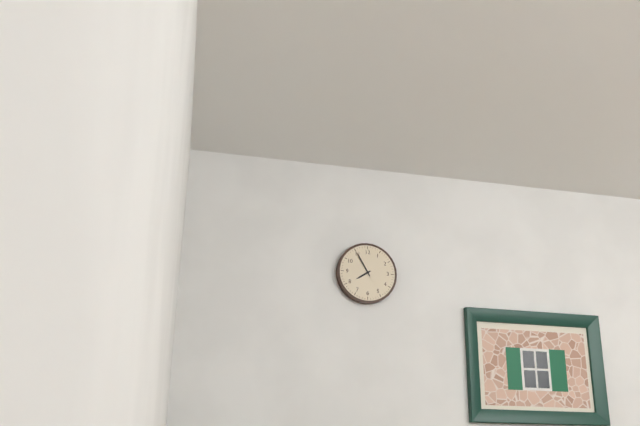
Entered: 7 h 55 min
